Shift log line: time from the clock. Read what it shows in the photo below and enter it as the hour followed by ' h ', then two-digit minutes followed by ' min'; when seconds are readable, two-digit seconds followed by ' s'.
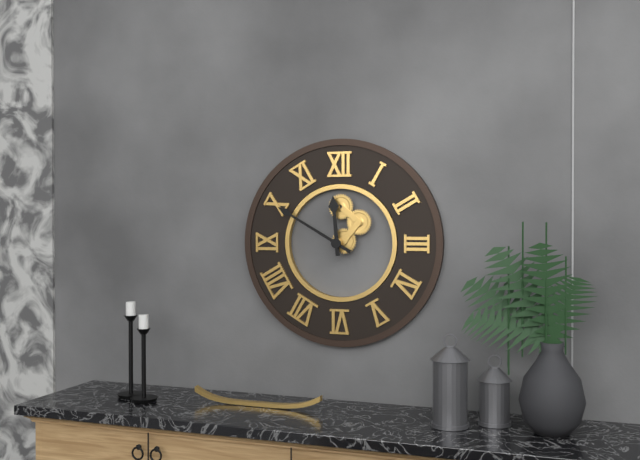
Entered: 11 h 50 min
